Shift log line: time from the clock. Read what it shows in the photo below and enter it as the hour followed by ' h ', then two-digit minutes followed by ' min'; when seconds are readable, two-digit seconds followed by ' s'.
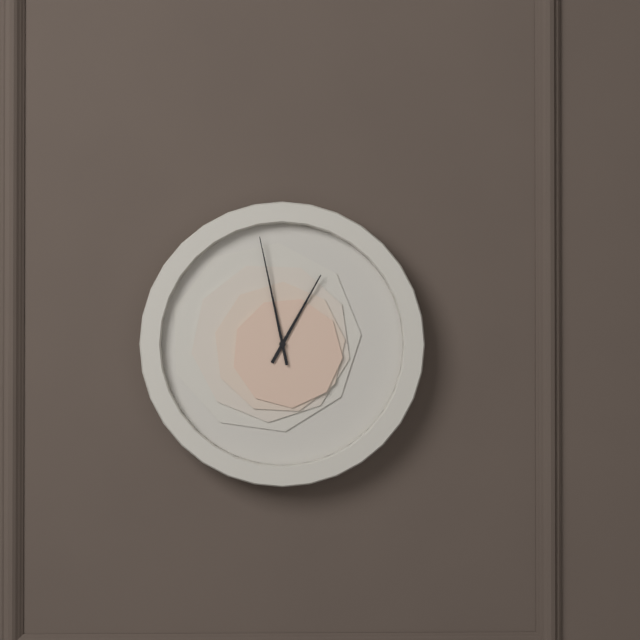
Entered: 12 h 58 min
